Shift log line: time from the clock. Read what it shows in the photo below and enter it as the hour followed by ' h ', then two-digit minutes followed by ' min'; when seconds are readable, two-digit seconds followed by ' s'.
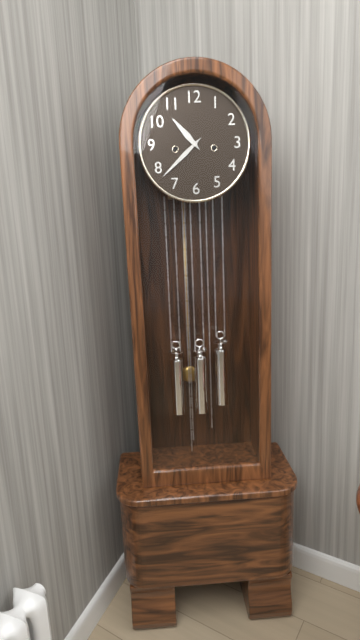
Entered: 10 h 38 min
